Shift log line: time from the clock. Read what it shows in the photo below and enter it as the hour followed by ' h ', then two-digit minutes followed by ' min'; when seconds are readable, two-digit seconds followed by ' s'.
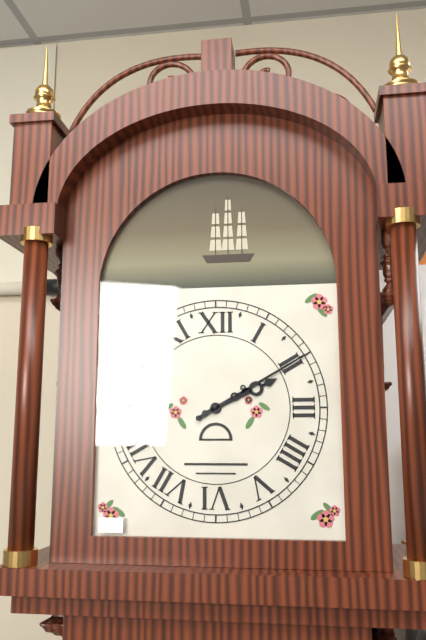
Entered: 2 h 10 min
